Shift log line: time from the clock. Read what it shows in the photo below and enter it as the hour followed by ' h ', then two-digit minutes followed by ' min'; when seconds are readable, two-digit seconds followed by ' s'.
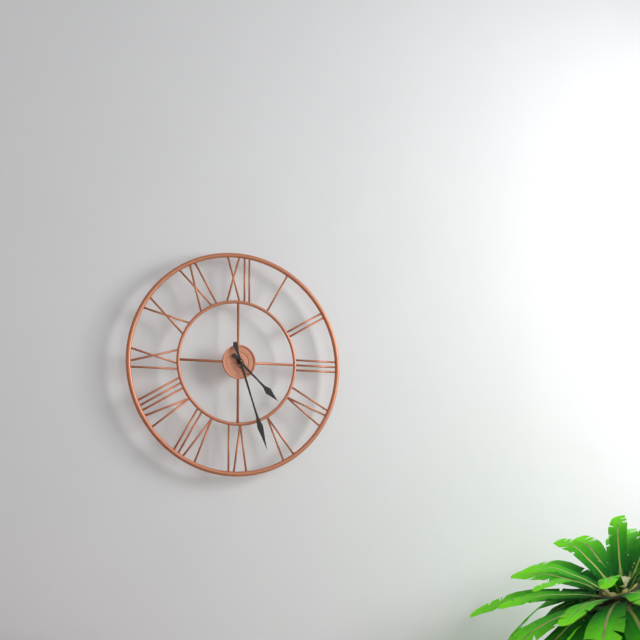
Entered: 4 h 27 min
